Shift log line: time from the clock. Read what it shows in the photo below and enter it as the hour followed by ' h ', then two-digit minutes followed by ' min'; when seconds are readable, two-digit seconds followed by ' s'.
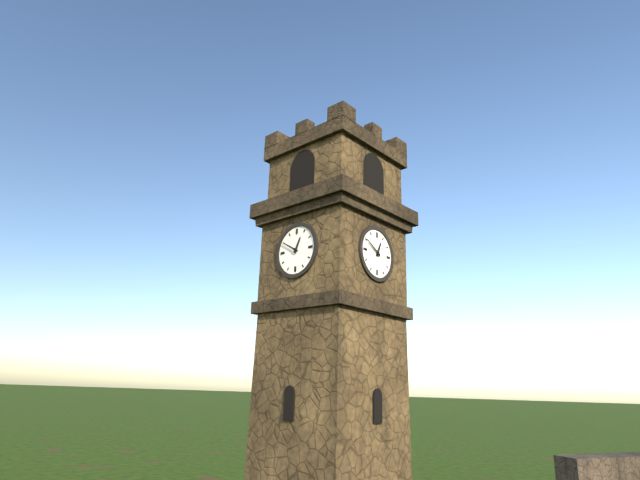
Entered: 12 h 50 min
